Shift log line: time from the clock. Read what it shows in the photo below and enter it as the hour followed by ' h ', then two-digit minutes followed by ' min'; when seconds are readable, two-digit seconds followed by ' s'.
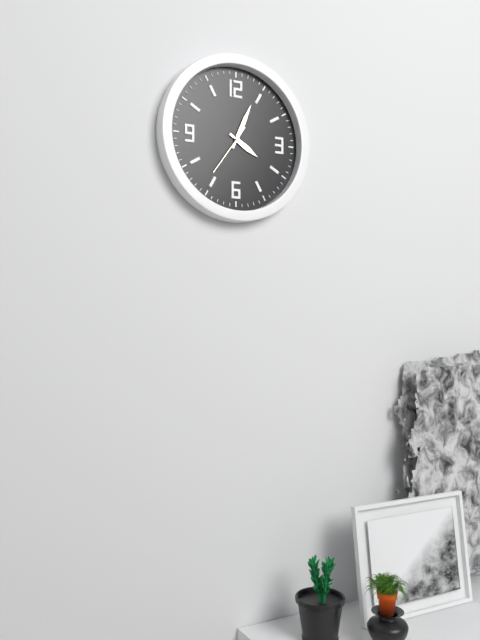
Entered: 4 h 04 min 36 s
